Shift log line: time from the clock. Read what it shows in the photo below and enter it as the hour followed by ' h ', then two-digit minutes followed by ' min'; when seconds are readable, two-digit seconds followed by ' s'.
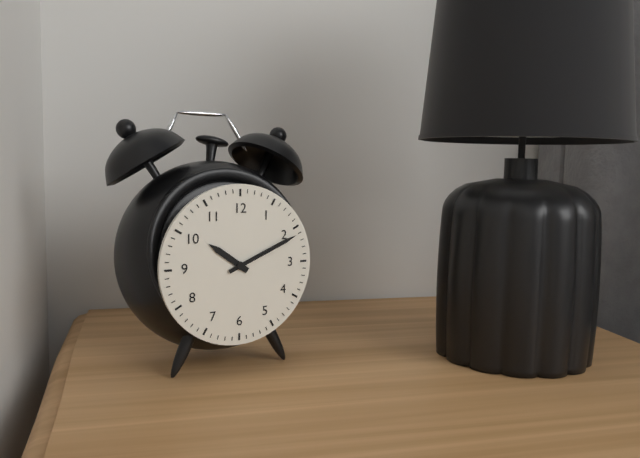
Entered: 10 h 11 min
